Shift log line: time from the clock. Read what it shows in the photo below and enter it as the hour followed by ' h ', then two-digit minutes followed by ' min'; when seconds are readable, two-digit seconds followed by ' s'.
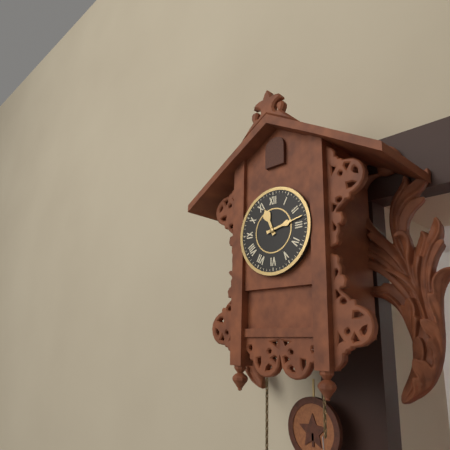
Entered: 11 h 13 min
